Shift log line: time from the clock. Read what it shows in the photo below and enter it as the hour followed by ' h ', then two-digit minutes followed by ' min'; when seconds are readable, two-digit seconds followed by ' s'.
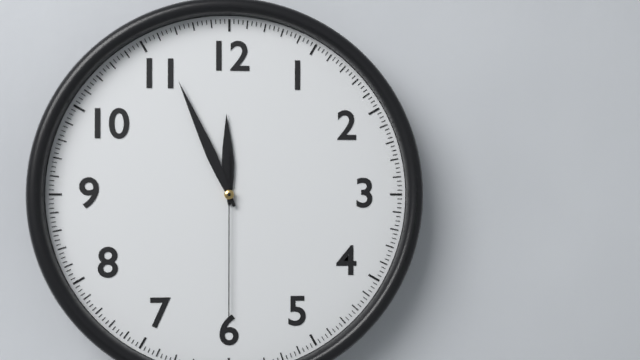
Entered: 11 h 56 min 30 s
